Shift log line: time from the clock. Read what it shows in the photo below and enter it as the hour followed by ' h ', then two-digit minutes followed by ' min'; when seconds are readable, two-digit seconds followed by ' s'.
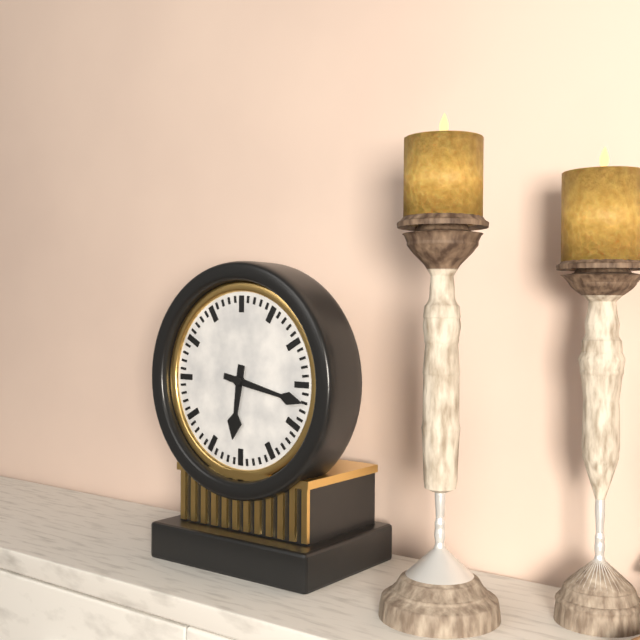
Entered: 6 h 17 min
